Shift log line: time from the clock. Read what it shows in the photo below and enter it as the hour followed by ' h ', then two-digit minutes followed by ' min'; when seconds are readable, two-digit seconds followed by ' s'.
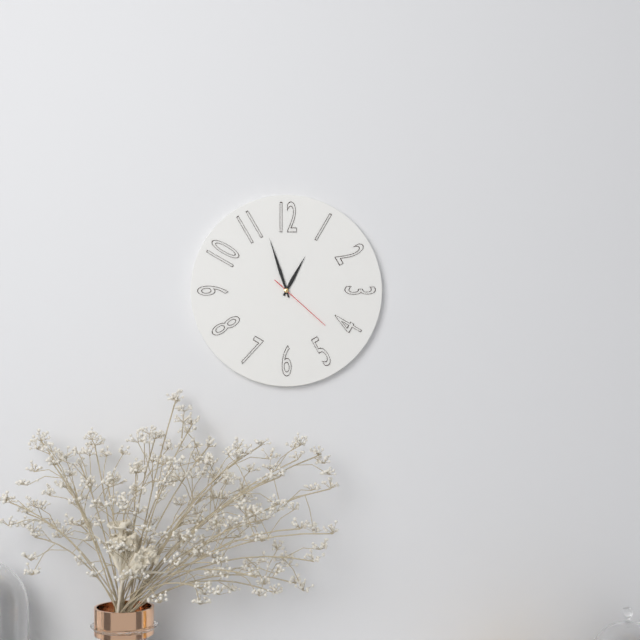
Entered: 12 h 57 min 22 s
